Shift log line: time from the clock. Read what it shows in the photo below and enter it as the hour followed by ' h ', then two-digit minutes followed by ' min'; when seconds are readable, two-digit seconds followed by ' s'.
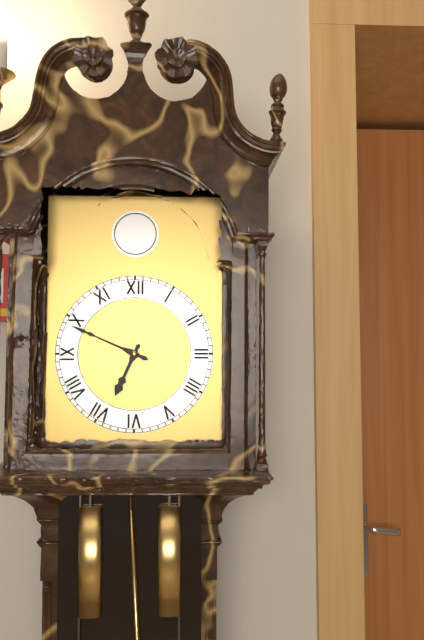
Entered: 6 h 49 min
